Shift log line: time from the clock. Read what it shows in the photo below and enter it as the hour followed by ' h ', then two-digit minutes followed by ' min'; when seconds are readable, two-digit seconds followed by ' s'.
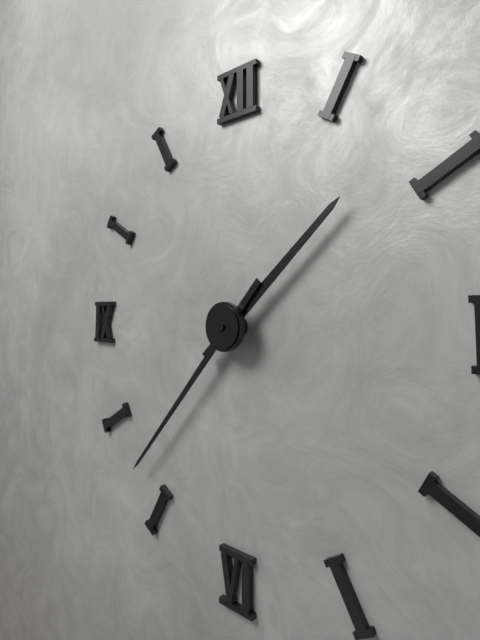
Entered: 1 h 37 min
